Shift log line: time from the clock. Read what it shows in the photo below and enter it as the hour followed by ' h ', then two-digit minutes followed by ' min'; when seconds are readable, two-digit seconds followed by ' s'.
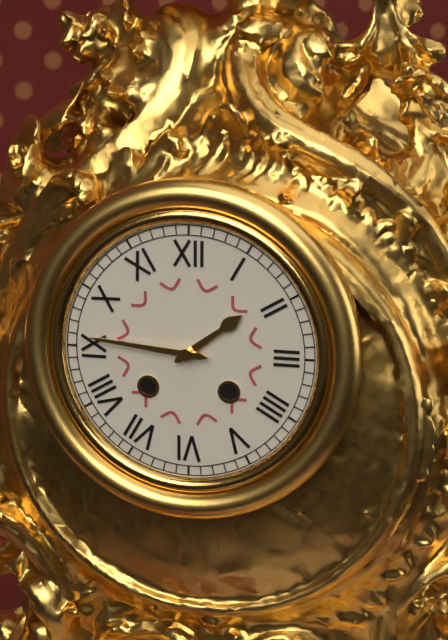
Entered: 1 h 46 min
